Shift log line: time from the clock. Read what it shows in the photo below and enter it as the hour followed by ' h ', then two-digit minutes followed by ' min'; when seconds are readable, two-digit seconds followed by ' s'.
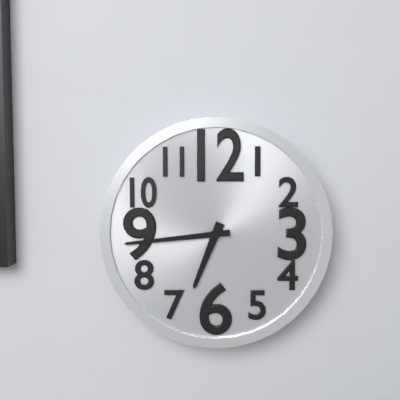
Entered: 6 h 44 min
